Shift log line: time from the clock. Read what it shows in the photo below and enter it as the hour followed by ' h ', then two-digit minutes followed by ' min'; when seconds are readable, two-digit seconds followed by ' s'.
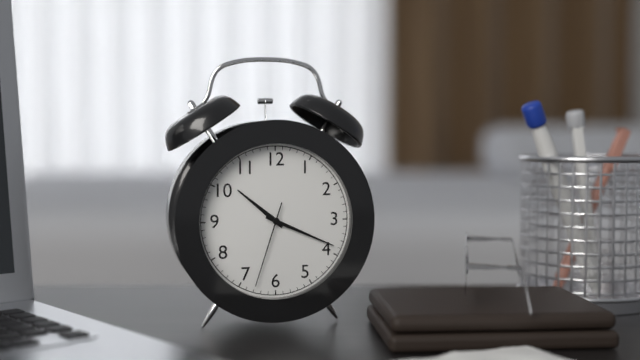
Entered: 10 h 19 min 33 s
